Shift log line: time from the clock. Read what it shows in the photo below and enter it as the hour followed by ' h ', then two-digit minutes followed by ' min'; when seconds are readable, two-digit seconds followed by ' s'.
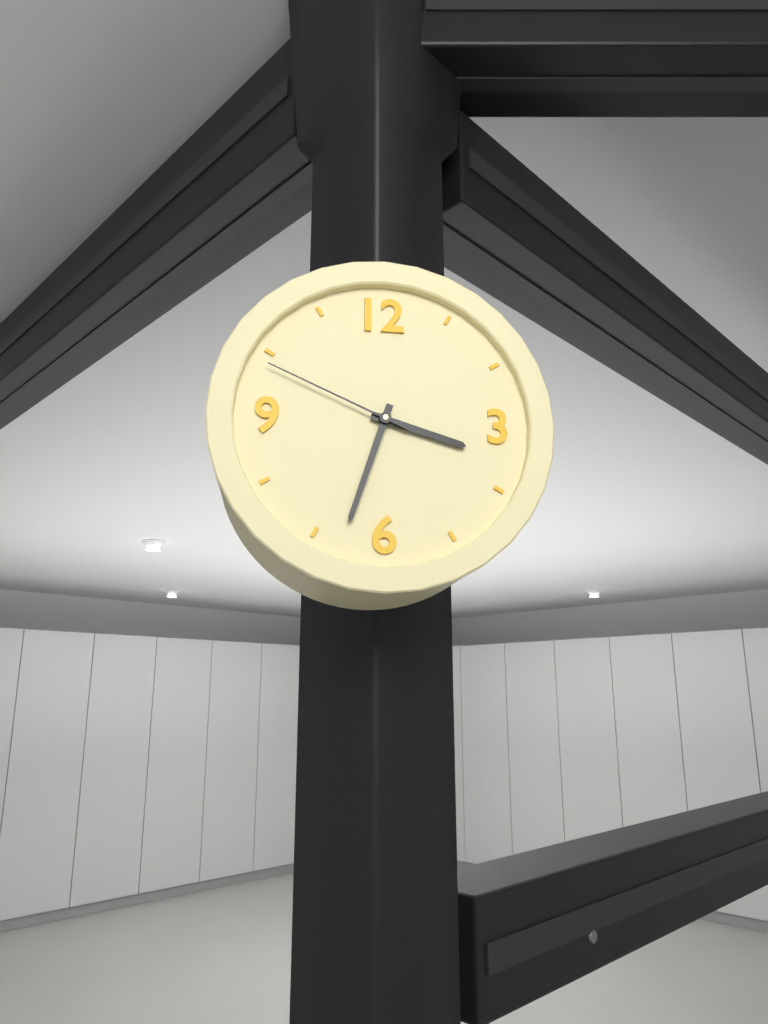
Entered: 3 h 33 min 49 s
